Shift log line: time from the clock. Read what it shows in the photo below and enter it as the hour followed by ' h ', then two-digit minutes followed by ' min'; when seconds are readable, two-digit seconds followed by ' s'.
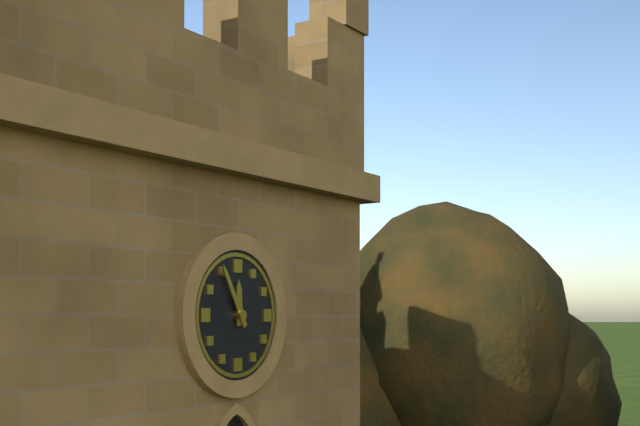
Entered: 11 h 55 min
